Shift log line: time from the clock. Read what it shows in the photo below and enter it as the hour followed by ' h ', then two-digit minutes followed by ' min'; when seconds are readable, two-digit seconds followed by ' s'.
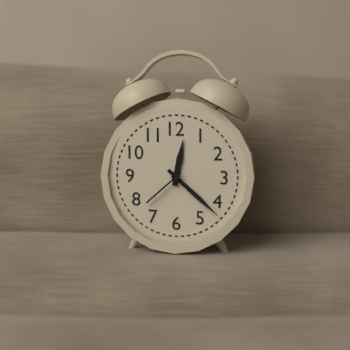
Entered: 12 h 22 min 38 s
